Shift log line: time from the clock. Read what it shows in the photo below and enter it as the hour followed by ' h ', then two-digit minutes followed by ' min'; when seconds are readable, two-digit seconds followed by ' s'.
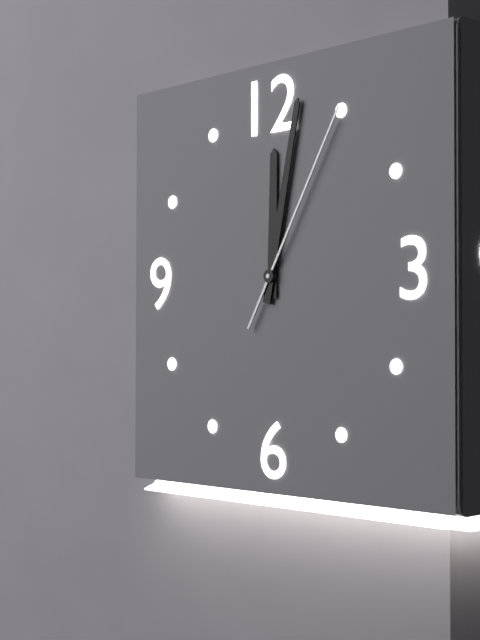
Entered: 12 h 02 min 05 s
